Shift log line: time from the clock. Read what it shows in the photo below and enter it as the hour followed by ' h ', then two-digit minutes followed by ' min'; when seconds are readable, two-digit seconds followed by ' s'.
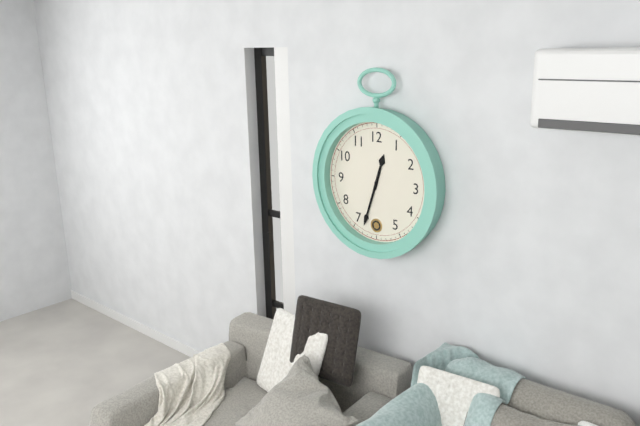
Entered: 12 h 33 min
